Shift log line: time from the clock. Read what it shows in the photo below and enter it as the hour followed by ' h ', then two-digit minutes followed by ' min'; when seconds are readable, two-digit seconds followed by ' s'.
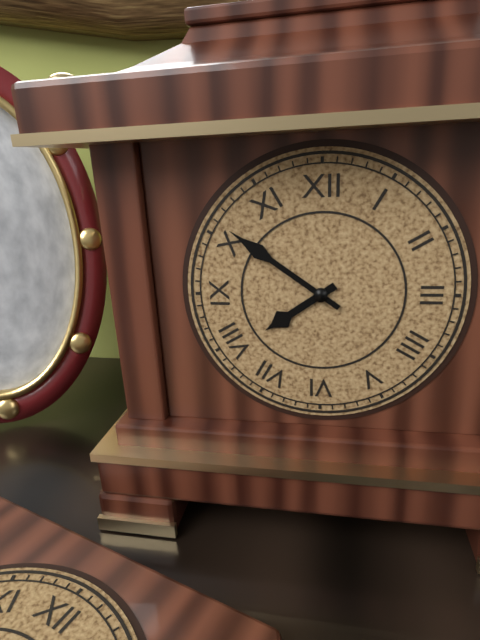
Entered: 7 h 51 min
